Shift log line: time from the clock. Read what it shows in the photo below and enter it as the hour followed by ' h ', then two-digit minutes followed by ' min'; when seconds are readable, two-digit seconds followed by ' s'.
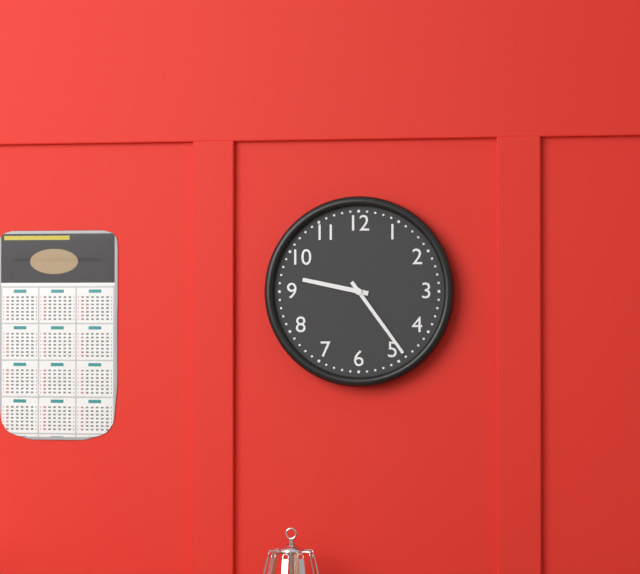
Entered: 9 h 24 min
